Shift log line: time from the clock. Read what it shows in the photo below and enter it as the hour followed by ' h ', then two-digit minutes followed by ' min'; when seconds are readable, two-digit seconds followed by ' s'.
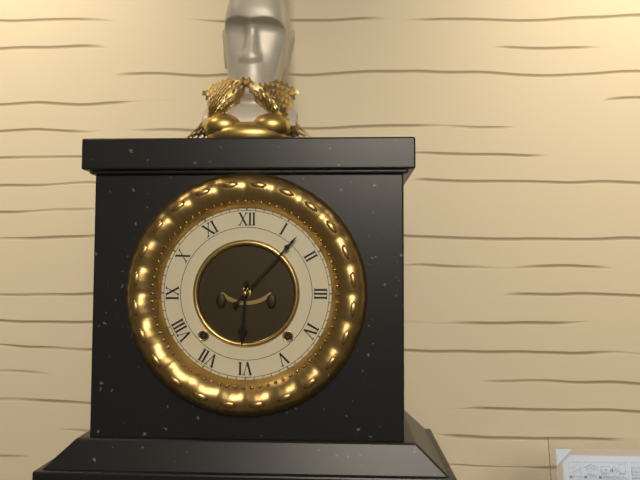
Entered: 6 h 07 min
